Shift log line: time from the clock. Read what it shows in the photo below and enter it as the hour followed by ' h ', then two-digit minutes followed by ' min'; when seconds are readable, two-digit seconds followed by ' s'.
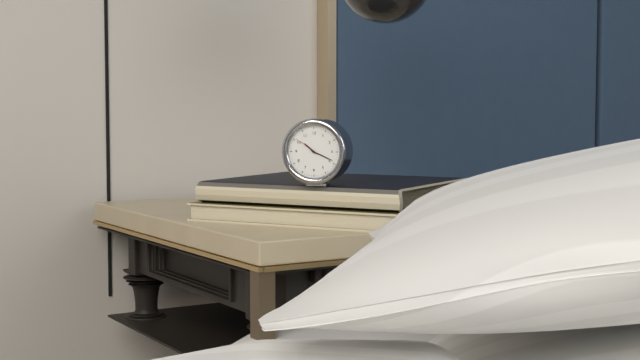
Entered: 10 h 19 min
